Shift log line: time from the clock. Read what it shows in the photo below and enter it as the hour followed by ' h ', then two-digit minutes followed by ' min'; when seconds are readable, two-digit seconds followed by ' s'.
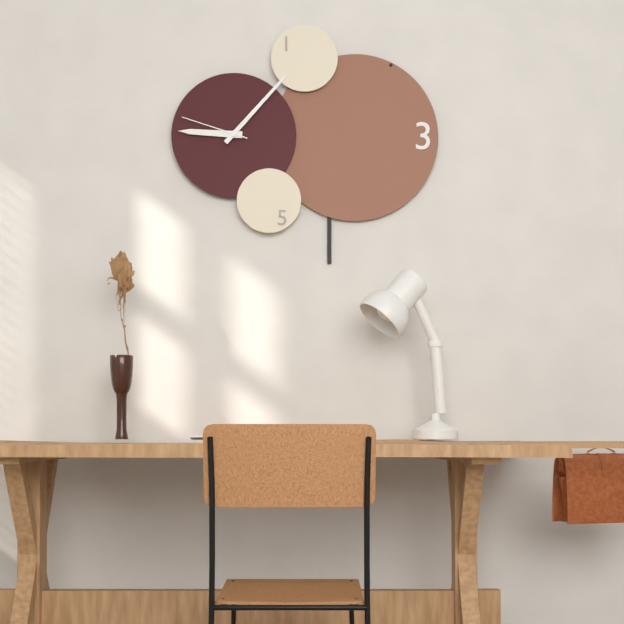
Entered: 9 h 07 min 48 s
